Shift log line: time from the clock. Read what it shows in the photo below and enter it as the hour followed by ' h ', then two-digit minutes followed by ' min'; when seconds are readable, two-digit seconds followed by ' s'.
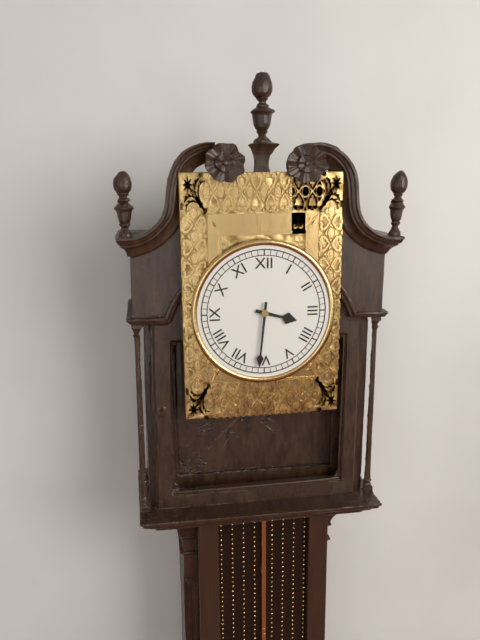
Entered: 3 h 31 min
